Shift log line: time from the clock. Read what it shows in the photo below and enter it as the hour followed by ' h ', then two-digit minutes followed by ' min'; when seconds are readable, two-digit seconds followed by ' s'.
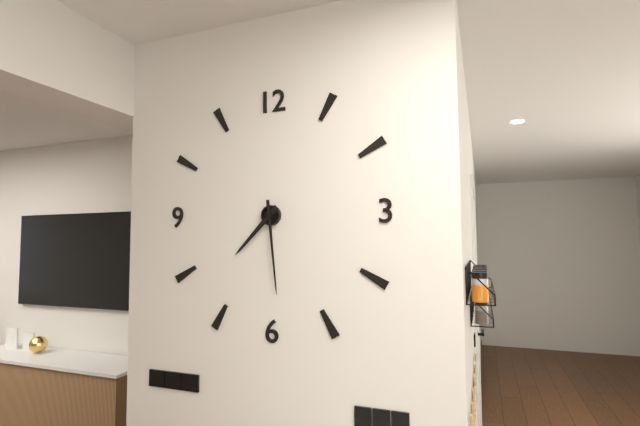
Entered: 7 h 29 min
